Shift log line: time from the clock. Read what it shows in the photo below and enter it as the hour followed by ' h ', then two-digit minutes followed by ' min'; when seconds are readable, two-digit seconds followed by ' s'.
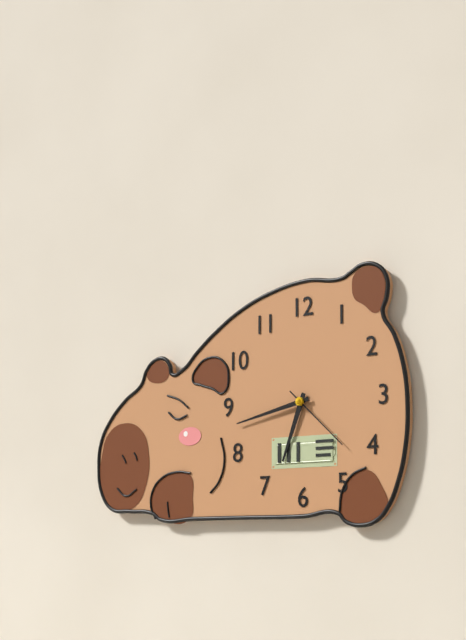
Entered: 6 h 43 min 22 s
